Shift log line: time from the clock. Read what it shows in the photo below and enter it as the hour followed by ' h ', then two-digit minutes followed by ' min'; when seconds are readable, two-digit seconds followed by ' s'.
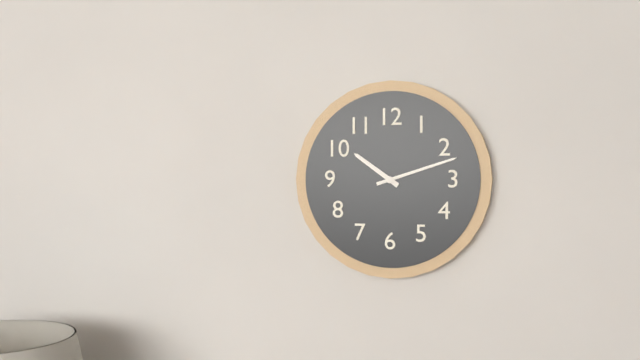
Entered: 10 h 12 min
